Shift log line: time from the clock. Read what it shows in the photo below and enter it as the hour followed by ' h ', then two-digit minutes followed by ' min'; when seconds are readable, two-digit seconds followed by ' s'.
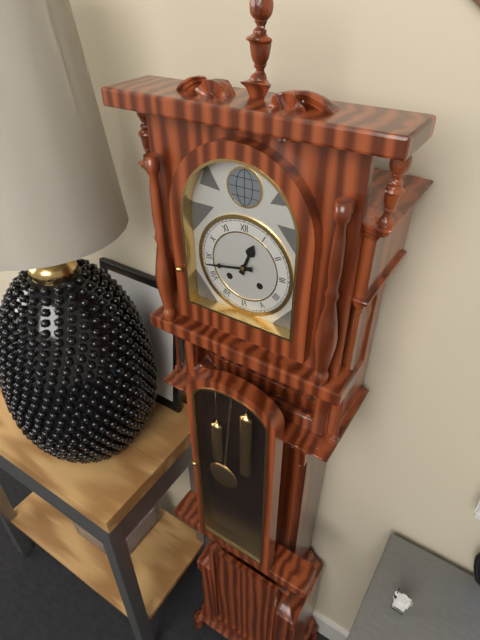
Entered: 12 h 43 min
